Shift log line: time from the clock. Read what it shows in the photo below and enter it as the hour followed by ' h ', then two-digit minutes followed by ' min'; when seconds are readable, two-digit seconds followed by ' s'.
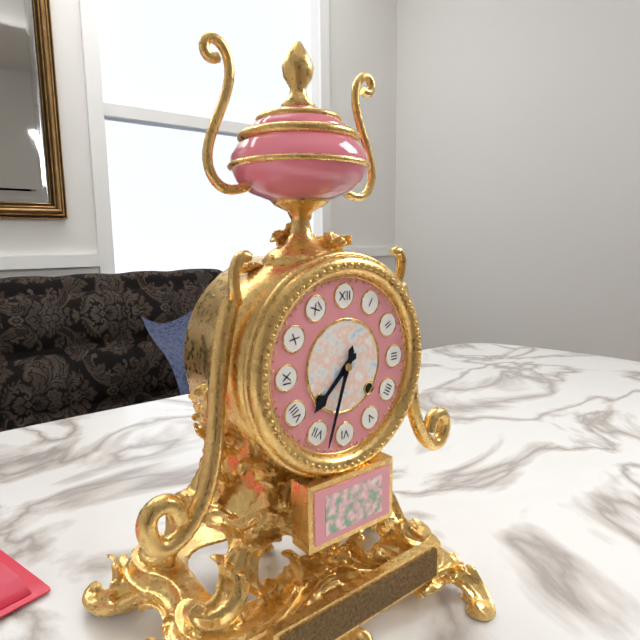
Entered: 7 h 33 min
